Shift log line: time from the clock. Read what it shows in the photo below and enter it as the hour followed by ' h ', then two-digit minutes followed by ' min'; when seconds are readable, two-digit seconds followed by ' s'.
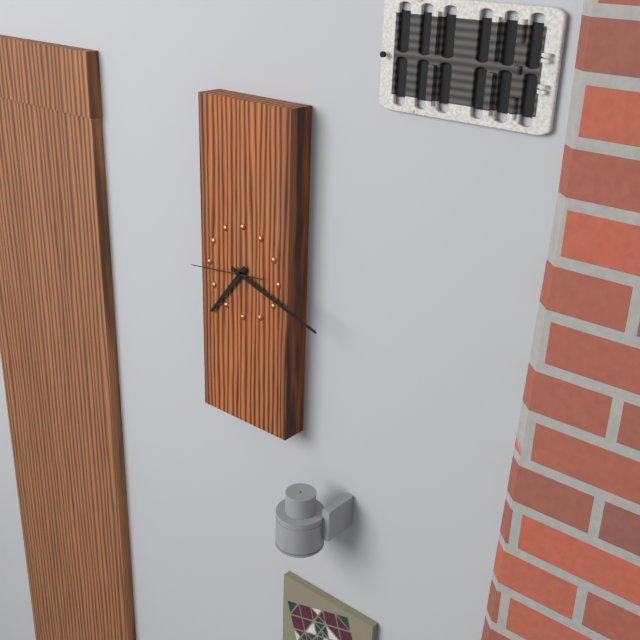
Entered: 7 h 18 min 44 s
